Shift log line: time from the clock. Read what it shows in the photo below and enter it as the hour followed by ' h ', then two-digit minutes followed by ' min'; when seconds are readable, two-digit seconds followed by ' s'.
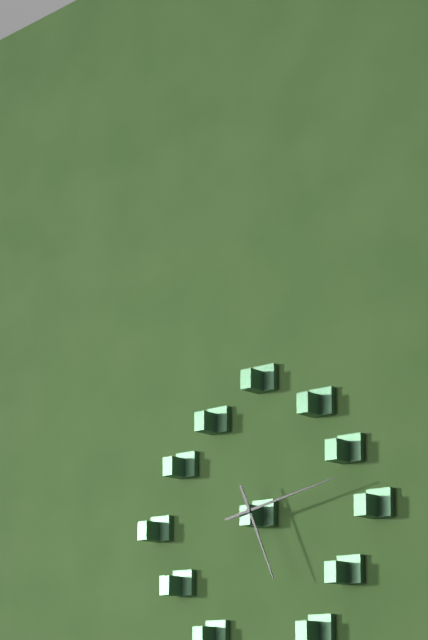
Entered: 5 h 13 min
